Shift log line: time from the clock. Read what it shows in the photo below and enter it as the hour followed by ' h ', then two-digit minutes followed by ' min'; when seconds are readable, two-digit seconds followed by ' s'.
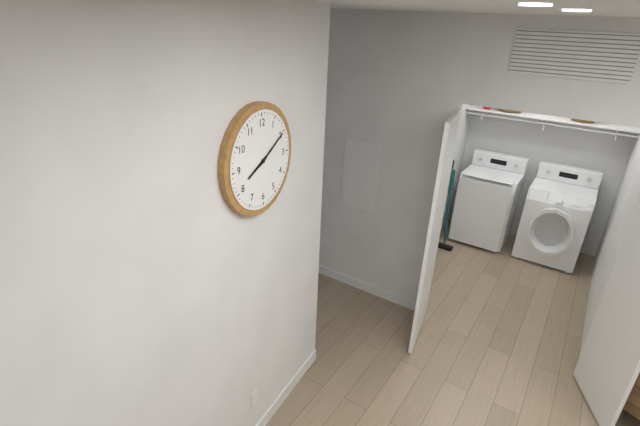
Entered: 8 h 10 min
